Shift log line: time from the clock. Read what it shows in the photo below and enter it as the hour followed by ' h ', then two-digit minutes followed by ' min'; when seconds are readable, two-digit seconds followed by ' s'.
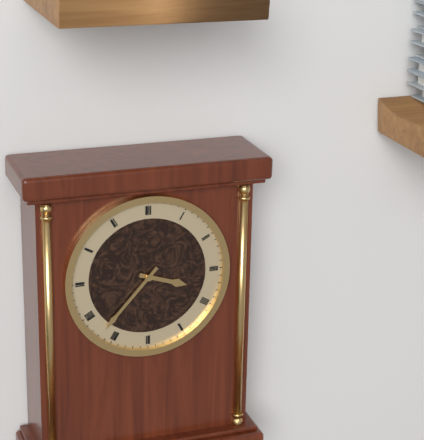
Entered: 3 h 37 min
